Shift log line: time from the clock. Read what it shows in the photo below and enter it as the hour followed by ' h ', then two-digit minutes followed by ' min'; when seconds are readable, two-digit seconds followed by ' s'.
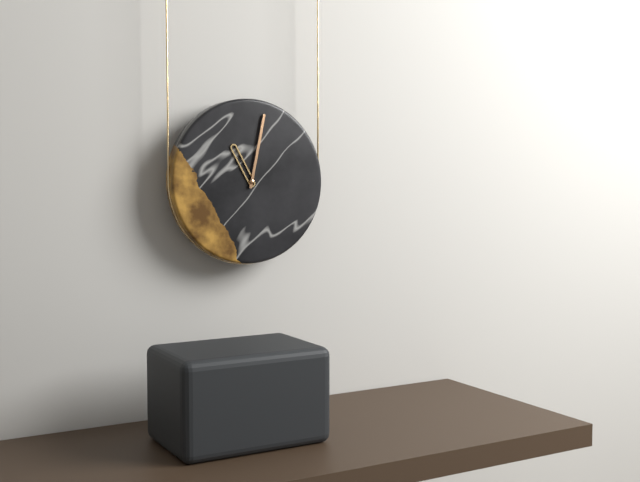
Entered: 11 h 02 min
